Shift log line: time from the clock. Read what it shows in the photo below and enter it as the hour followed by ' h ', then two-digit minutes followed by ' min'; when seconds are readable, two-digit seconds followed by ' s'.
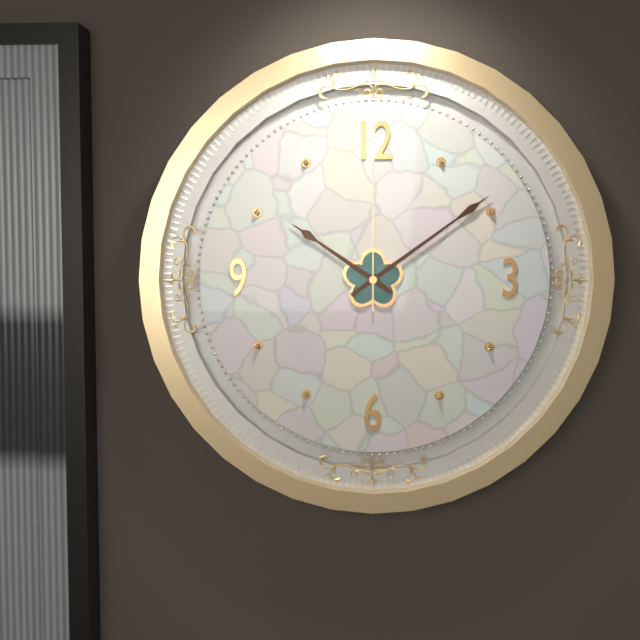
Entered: 10 h 09 min 00 s
